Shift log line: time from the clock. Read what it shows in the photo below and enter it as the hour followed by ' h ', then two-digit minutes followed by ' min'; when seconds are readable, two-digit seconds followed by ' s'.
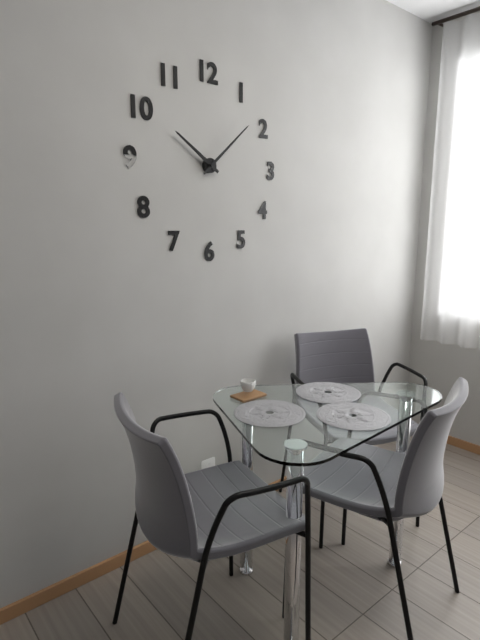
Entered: 10 h 08 min
